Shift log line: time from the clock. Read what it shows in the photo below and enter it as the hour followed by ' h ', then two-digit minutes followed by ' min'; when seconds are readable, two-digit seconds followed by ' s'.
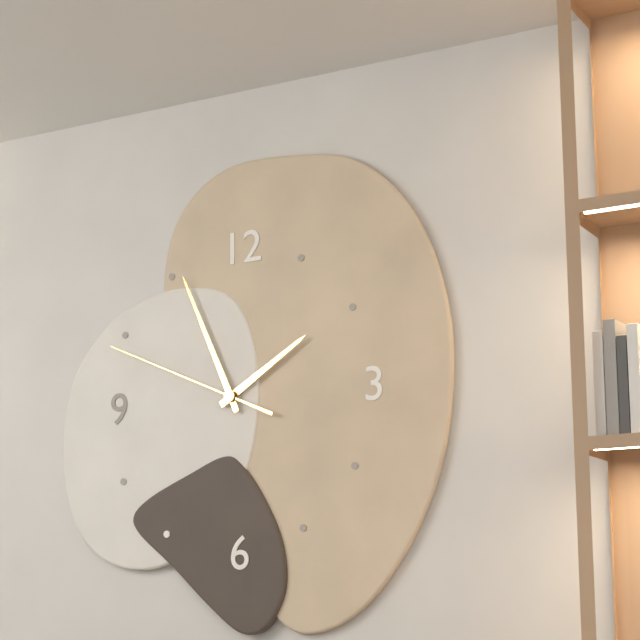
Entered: 1 h 56 min 49 s
